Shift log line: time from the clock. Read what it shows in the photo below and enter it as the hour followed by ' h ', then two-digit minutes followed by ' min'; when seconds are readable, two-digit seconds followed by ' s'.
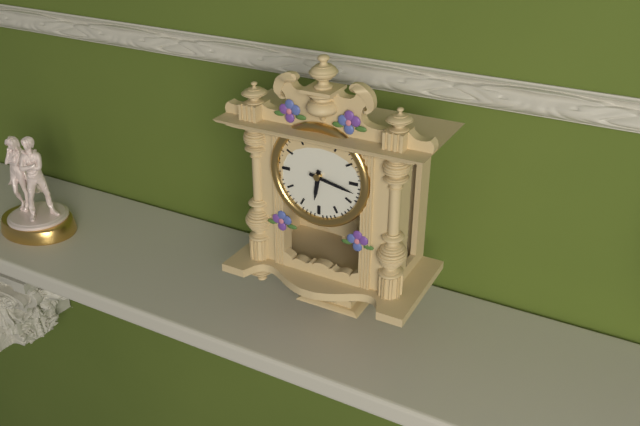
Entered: 6 h 17 min
